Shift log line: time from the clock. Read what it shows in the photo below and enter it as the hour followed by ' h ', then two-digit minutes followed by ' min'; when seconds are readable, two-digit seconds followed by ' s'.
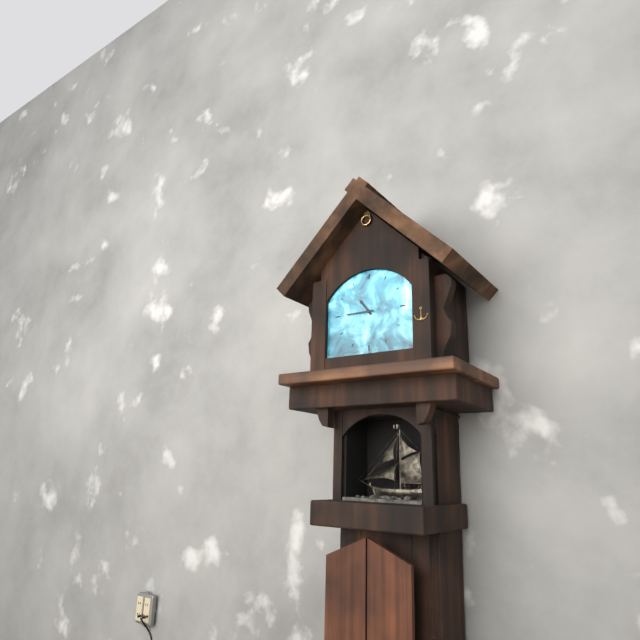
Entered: 10 h 45 min
